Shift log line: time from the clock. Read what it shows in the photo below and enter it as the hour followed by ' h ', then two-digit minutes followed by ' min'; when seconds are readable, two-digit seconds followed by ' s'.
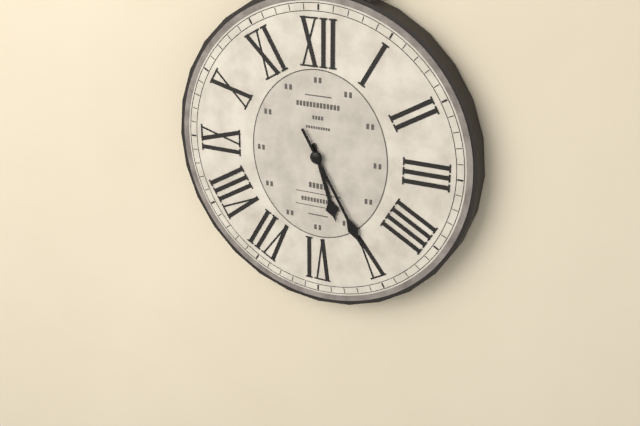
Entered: 5 h 25 min
